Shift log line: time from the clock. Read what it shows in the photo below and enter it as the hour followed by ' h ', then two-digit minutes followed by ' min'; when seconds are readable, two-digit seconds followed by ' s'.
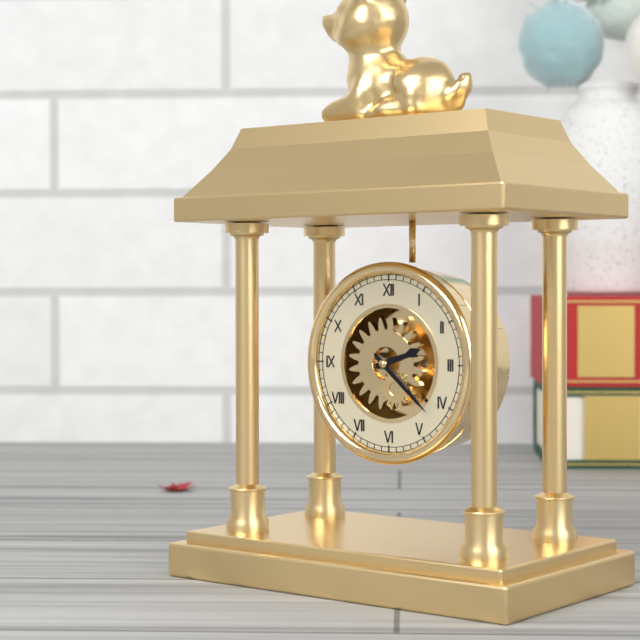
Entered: 2 h 22 min
